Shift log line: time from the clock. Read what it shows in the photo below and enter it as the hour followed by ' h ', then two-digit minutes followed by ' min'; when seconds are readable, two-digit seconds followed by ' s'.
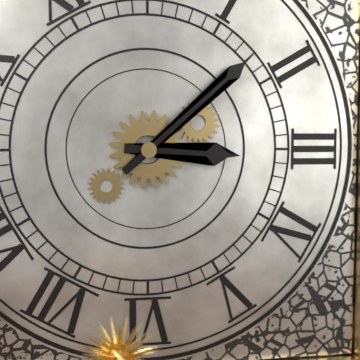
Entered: 3 h 08 min
